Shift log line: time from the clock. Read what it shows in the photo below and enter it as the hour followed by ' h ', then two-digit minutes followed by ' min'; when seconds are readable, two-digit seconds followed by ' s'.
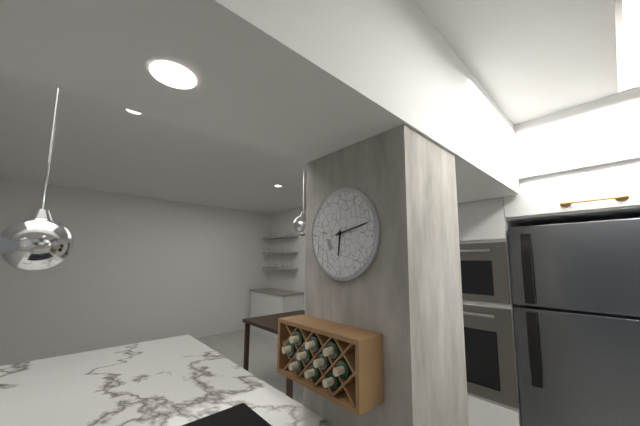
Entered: 6 h 13 min
